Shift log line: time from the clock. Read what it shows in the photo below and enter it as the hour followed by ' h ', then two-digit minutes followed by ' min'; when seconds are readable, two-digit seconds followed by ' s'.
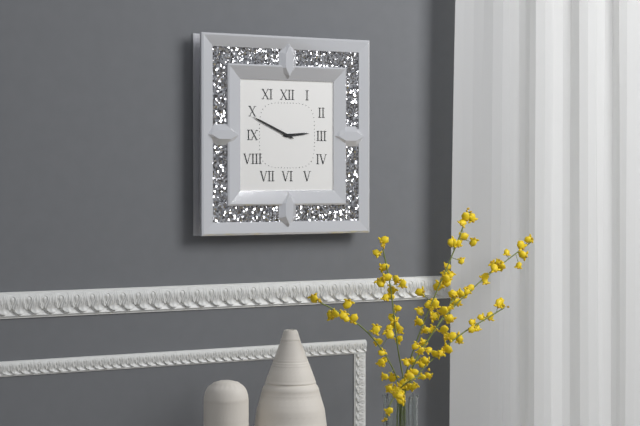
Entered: 2 h 49 min
